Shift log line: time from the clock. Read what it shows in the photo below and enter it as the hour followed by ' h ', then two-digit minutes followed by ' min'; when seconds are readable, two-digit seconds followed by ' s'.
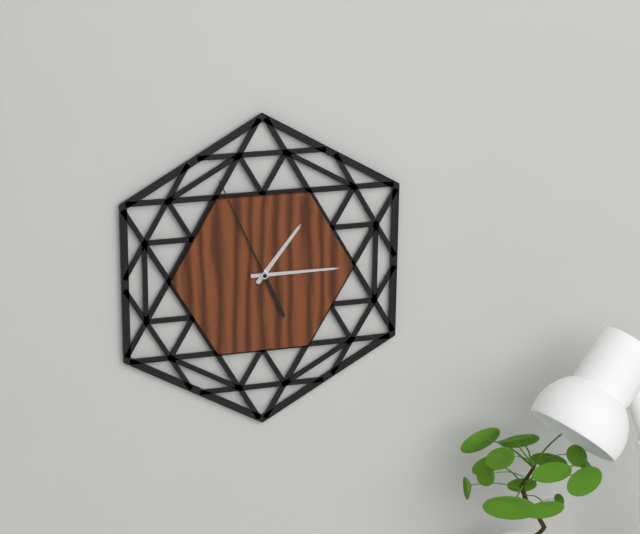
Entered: 1 h 15 min 56 s
